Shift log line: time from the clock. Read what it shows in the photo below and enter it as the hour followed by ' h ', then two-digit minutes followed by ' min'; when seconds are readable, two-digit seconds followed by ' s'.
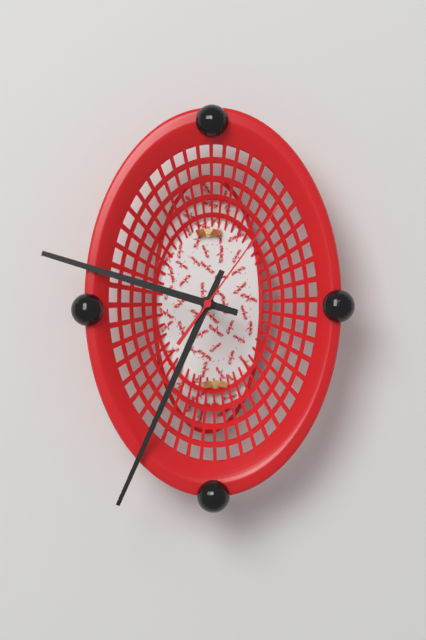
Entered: 9 h 34 min 06 s
